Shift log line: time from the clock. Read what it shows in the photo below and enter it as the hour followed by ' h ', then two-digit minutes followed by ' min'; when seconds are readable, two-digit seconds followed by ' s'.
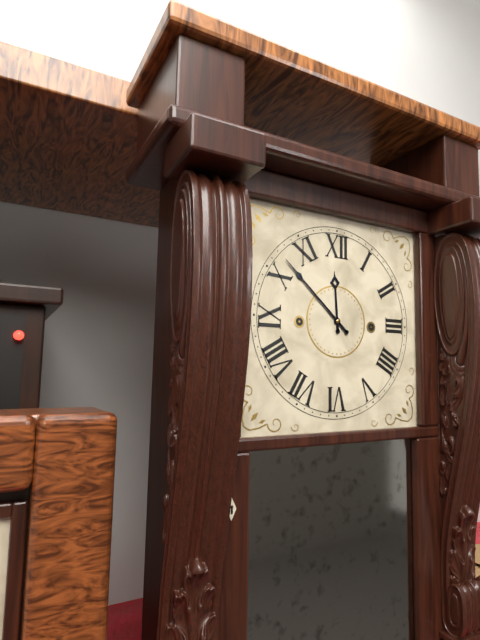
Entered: 11 h 52 min
